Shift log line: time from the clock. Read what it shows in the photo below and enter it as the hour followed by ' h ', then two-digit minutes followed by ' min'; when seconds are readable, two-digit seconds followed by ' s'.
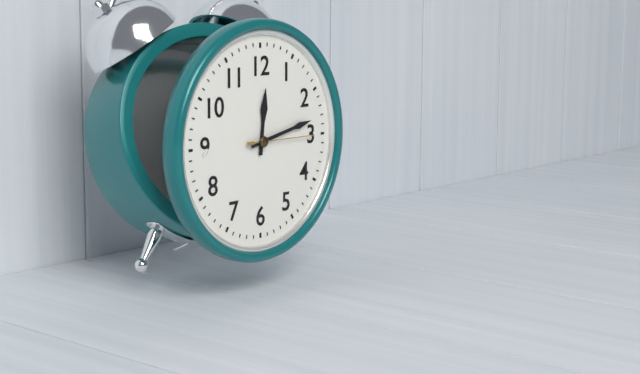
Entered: 12 h 13 min 15 s
